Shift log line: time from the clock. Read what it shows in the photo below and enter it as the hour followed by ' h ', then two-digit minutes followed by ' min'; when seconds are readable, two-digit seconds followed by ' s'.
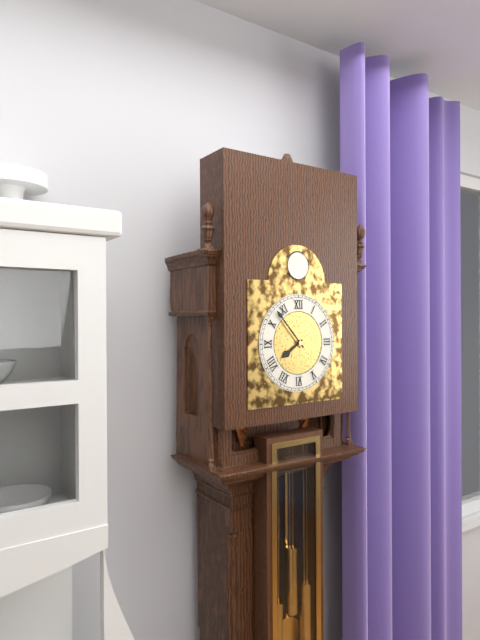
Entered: 7 h 53 min
